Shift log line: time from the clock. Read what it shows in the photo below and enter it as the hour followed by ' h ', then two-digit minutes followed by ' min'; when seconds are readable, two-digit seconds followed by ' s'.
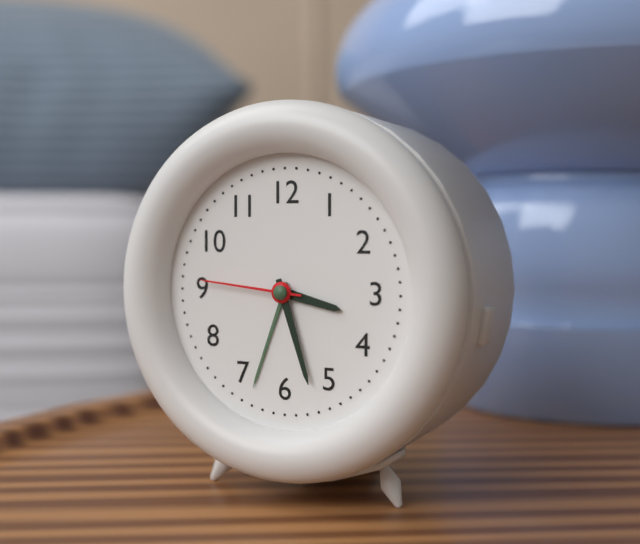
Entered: 3 h 27 min 46 s
